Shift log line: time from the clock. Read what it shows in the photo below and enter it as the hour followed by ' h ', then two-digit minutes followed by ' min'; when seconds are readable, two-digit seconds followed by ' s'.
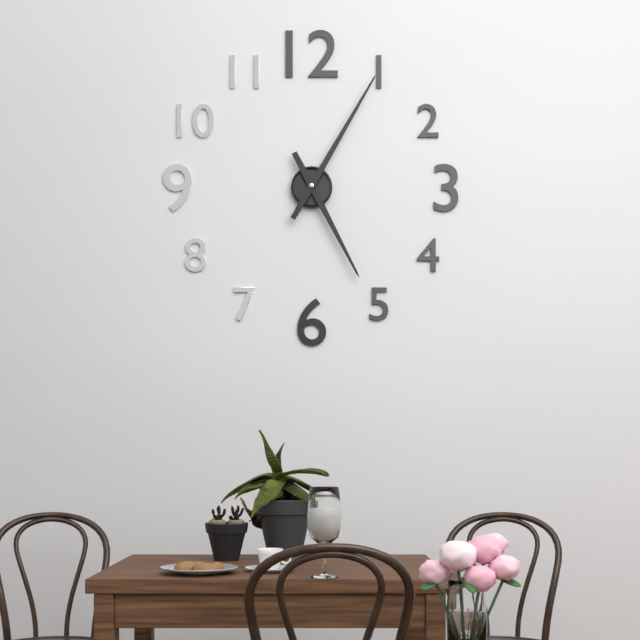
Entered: 5 h 05 min
